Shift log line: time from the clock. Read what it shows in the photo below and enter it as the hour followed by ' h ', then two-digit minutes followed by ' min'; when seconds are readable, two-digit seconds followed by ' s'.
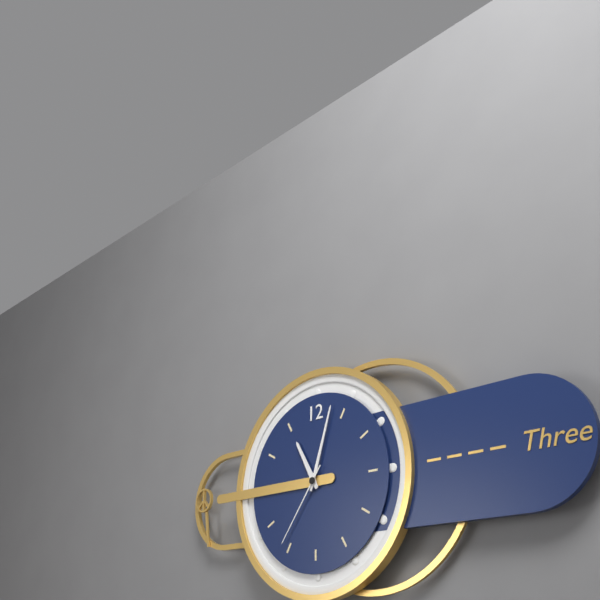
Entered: 11 h 03 min 36 s
